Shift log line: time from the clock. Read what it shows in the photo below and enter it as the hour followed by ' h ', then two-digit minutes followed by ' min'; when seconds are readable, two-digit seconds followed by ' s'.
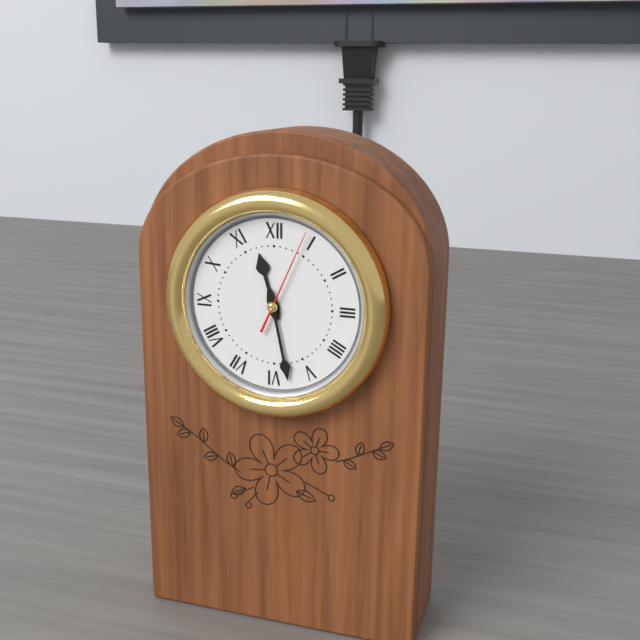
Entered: 11 h 28 min 04 s
